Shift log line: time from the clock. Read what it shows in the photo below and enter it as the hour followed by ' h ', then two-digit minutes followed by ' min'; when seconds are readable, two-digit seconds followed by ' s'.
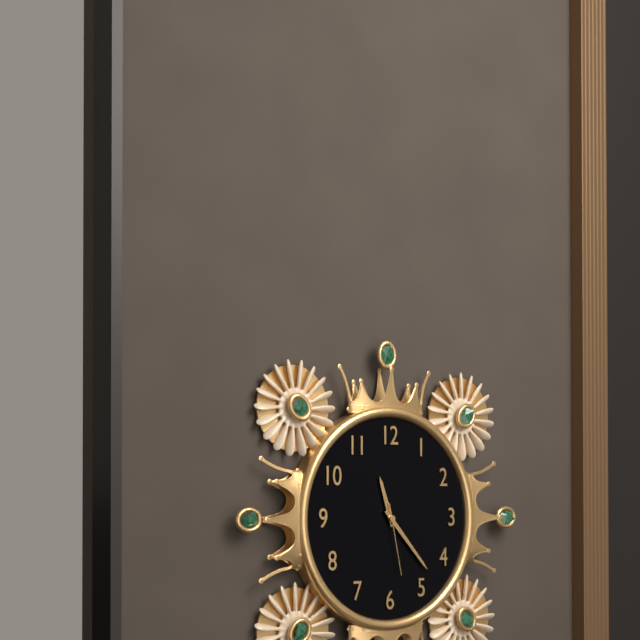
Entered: 11 h 23 min 28 s
